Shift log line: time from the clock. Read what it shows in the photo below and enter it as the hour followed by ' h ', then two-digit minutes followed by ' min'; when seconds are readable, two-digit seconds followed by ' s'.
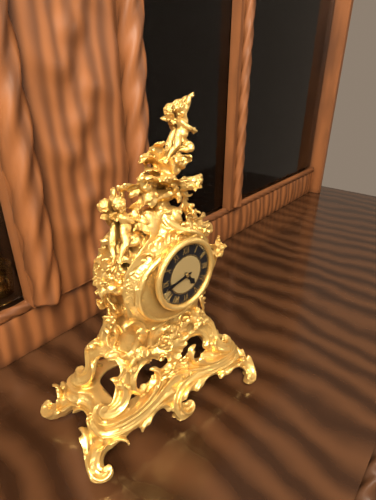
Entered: 4 h 43 min
